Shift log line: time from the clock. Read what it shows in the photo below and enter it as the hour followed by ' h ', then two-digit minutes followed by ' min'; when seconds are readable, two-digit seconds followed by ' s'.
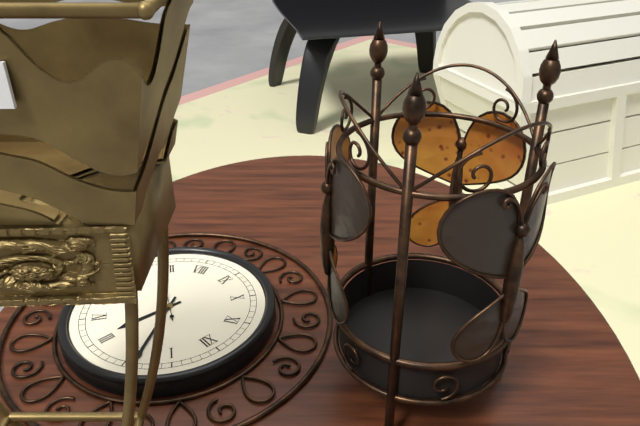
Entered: 3 h 09 min
